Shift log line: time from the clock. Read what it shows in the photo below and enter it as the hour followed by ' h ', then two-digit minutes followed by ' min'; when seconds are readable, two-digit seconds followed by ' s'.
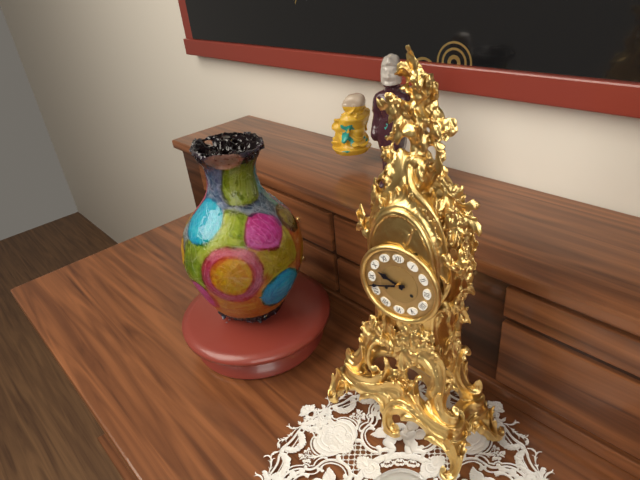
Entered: 9 h 42 min
